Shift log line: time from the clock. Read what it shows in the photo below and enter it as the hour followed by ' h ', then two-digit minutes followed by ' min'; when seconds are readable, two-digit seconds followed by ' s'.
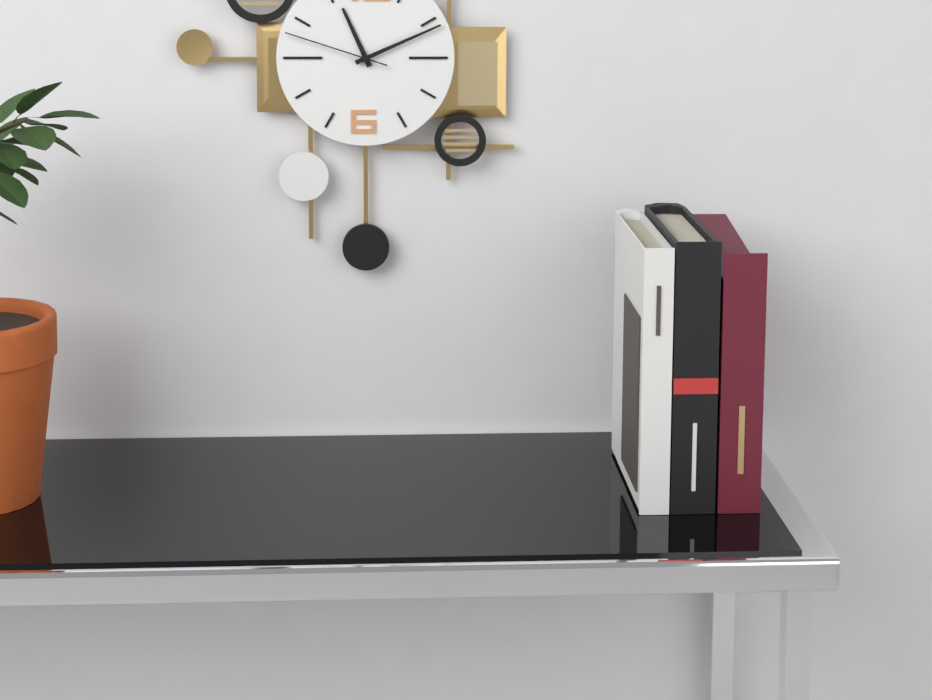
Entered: 11 h 11 min 48 s
